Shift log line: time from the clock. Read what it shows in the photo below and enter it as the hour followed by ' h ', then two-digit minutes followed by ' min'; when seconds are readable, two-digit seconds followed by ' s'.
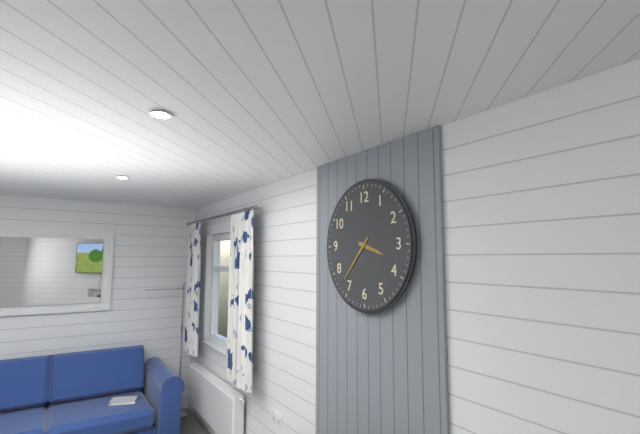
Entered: 3 h 37 min
